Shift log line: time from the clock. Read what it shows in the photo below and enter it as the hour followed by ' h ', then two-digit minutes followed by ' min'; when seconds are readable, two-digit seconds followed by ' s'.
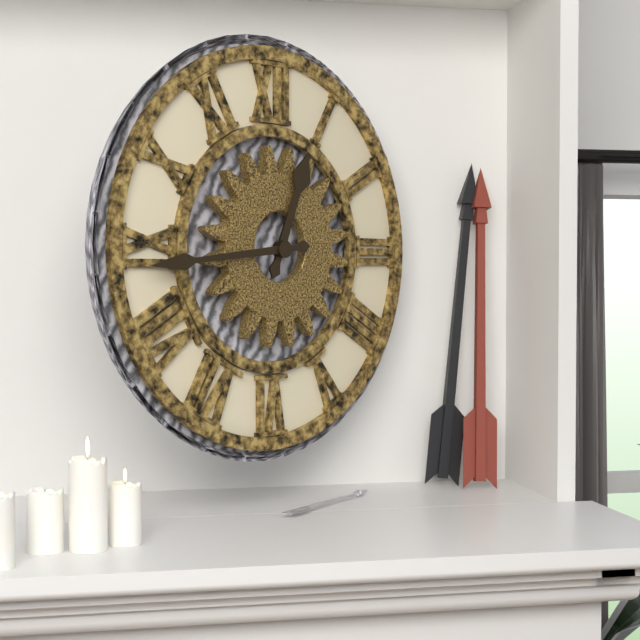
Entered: 12 h 44 min
